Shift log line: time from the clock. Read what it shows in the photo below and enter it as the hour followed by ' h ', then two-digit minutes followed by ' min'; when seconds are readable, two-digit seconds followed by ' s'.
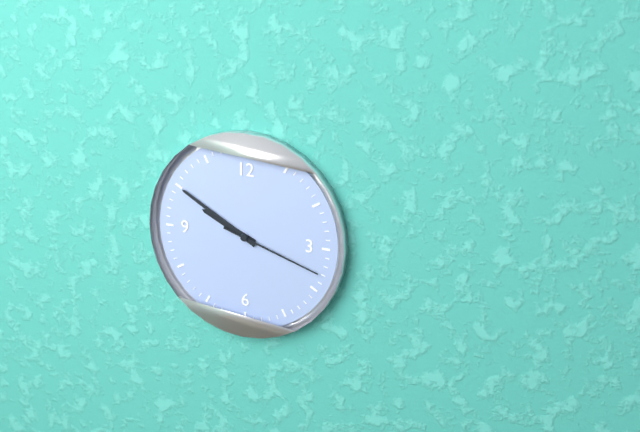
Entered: 9 h 50 min 18 s
